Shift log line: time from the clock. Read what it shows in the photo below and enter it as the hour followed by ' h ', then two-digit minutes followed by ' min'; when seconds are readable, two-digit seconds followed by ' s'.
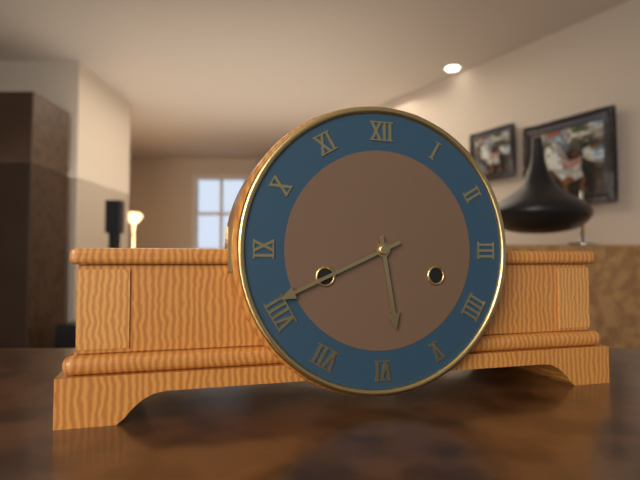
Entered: 5 h 41 min
